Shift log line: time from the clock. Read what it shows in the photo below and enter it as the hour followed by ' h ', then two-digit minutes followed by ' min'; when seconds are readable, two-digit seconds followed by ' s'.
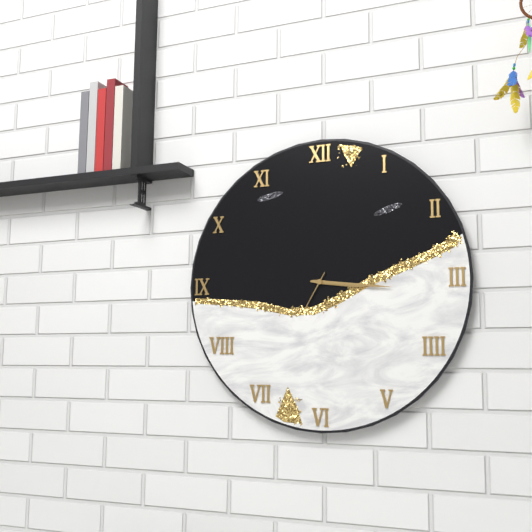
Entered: 3 h 16 min
